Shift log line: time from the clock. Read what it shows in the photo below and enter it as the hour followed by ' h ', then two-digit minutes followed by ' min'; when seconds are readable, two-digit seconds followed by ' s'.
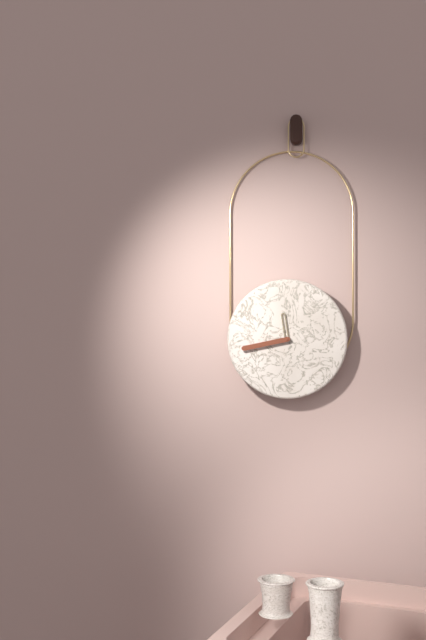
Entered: 11 h 43 min
